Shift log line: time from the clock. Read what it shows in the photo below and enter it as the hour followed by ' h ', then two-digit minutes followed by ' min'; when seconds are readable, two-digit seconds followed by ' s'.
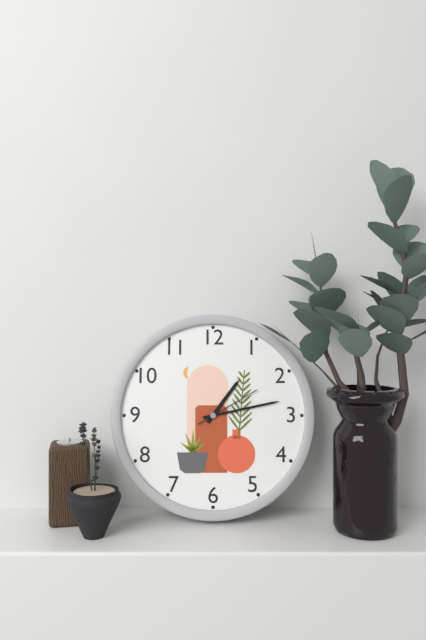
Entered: 1 h 13 min 10 s
